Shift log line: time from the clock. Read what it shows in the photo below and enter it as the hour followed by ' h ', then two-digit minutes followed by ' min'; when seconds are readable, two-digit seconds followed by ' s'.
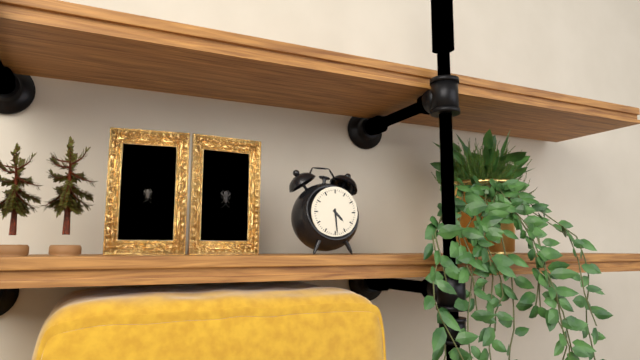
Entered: 4 h 29 min
